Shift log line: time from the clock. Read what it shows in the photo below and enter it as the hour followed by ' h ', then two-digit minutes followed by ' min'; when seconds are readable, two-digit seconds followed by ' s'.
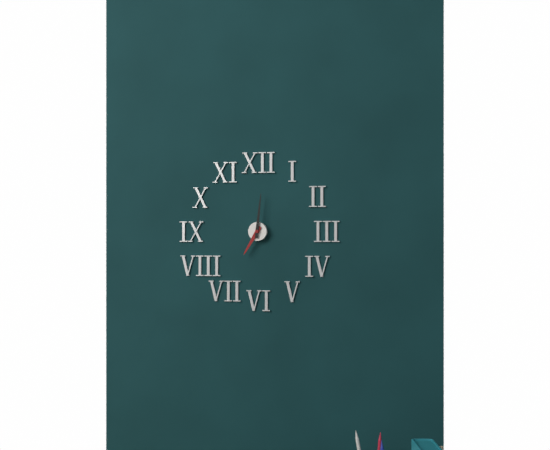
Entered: 7 h 01 min
